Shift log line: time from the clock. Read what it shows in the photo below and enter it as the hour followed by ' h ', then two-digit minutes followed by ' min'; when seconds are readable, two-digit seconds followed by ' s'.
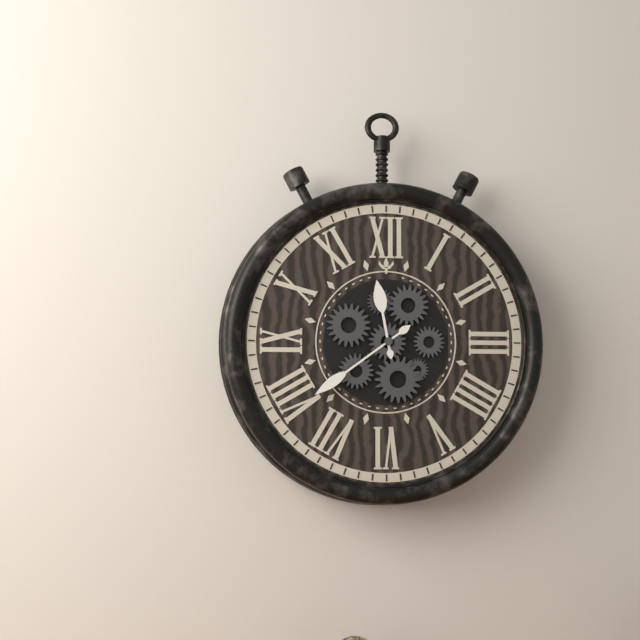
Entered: 11 h 39 min
